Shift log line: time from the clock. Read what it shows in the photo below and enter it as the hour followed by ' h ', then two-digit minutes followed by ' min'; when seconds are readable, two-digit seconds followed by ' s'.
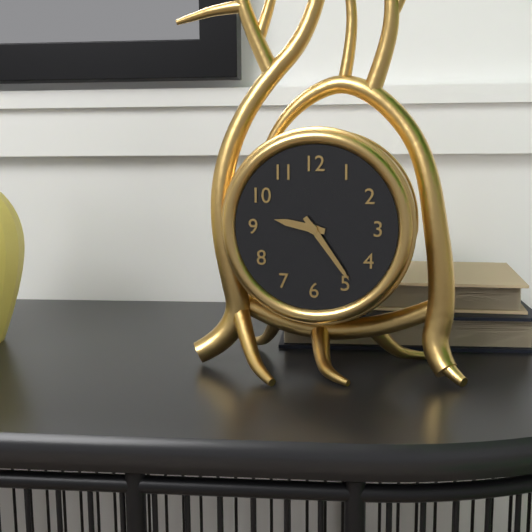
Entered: 9 h 24 min
